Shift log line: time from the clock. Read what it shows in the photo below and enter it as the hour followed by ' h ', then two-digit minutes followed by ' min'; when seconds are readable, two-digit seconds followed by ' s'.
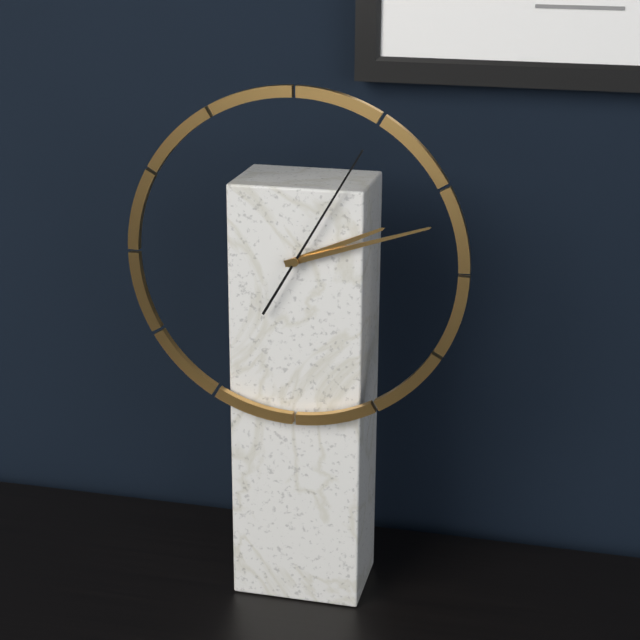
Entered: 2 h 12 min 05 s
